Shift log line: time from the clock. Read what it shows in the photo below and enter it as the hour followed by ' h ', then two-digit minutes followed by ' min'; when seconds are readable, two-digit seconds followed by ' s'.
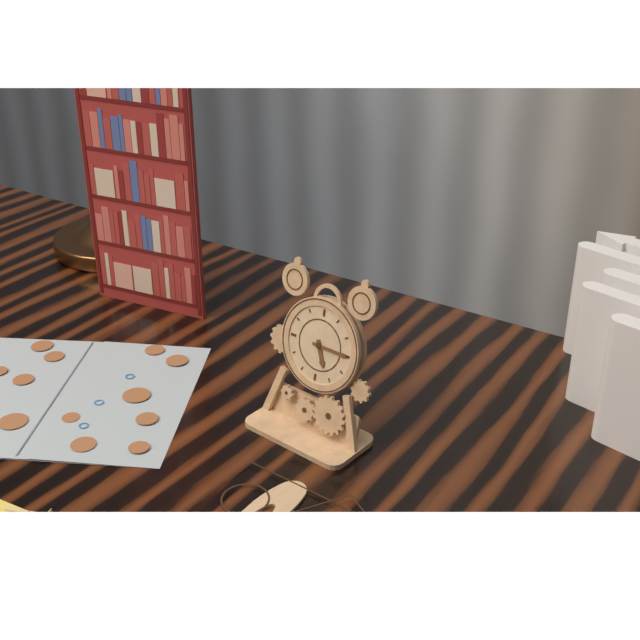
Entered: 5 h 15 min
